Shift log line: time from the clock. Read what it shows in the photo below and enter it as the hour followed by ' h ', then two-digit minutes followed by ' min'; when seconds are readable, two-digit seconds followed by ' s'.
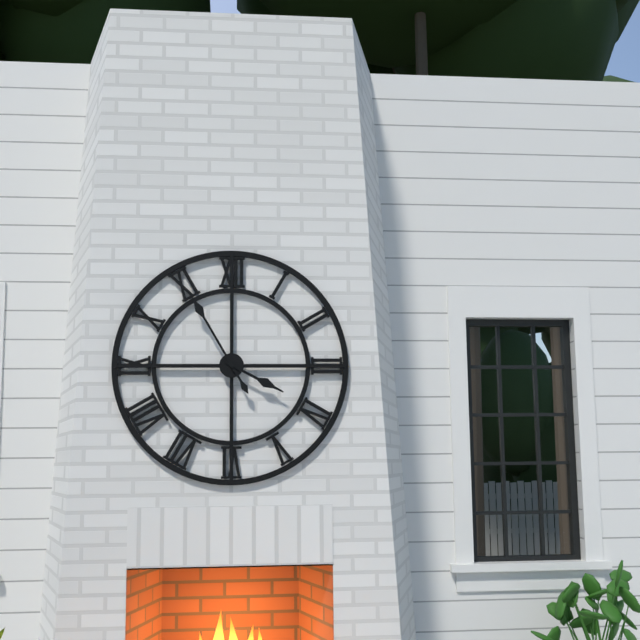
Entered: 3 h 55 min
